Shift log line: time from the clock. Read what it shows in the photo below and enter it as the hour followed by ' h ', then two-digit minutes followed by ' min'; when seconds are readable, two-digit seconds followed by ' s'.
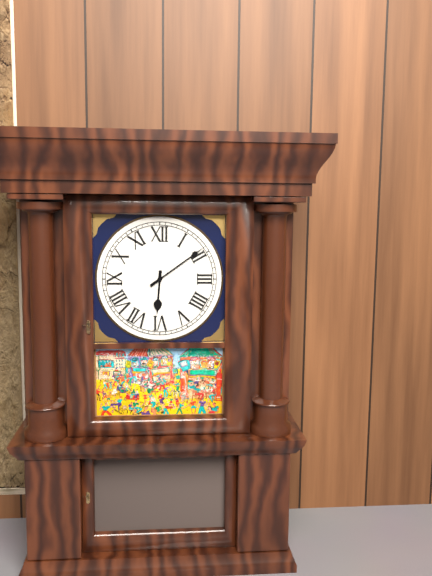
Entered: 6 h 09 min
